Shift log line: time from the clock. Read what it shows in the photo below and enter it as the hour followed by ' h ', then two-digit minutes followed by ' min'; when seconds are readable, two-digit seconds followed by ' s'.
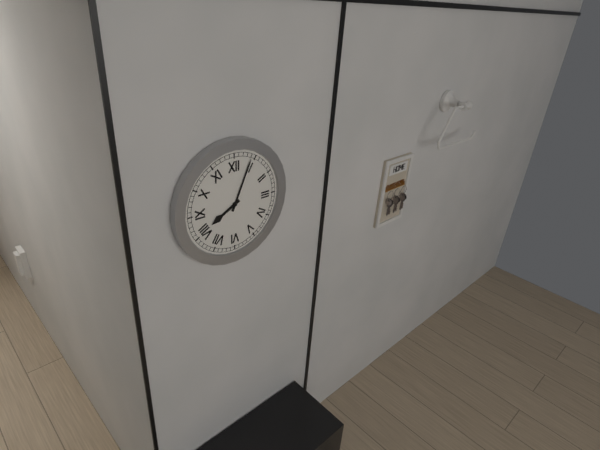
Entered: 8 h 04 min
